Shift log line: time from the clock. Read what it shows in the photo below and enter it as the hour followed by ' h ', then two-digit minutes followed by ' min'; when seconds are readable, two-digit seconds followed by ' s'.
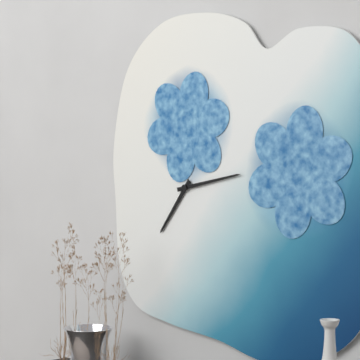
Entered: 7 h 13 min
